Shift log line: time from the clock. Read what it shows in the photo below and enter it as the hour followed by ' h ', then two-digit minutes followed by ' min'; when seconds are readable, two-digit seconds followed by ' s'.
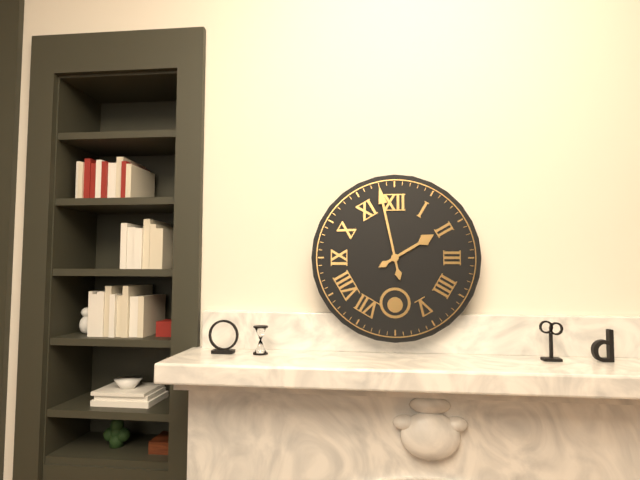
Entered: 1 h 58 min
